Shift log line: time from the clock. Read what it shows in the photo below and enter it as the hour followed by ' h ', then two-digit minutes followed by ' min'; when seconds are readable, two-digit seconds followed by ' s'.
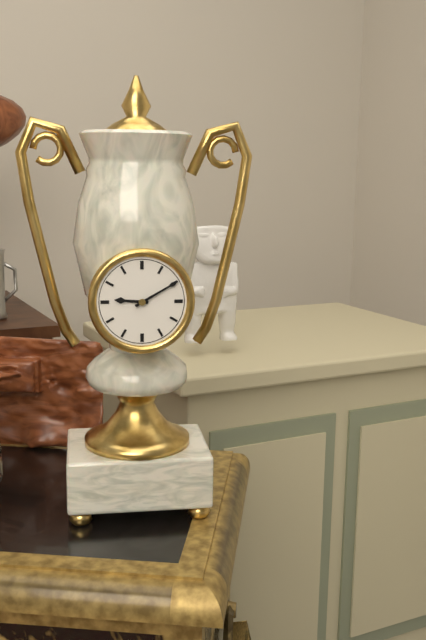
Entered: 9 h 10 min
